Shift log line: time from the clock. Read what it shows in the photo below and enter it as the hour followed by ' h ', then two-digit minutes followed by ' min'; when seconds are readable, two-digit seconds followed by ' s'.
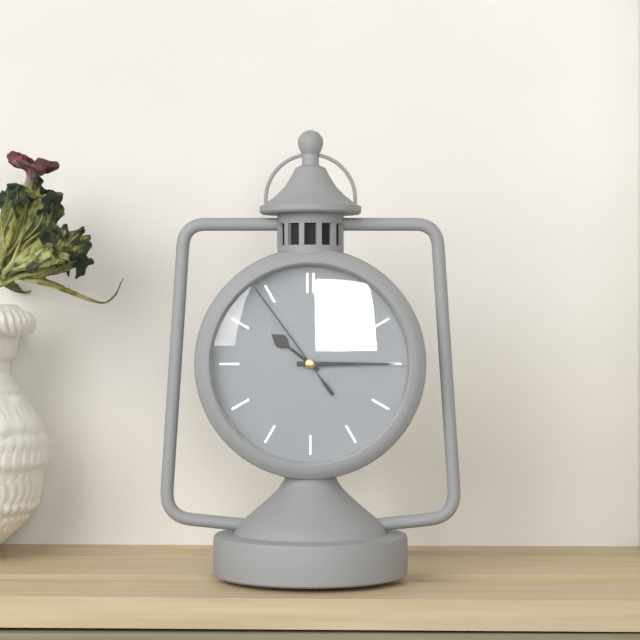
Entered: 10 h 15 min 54 s
